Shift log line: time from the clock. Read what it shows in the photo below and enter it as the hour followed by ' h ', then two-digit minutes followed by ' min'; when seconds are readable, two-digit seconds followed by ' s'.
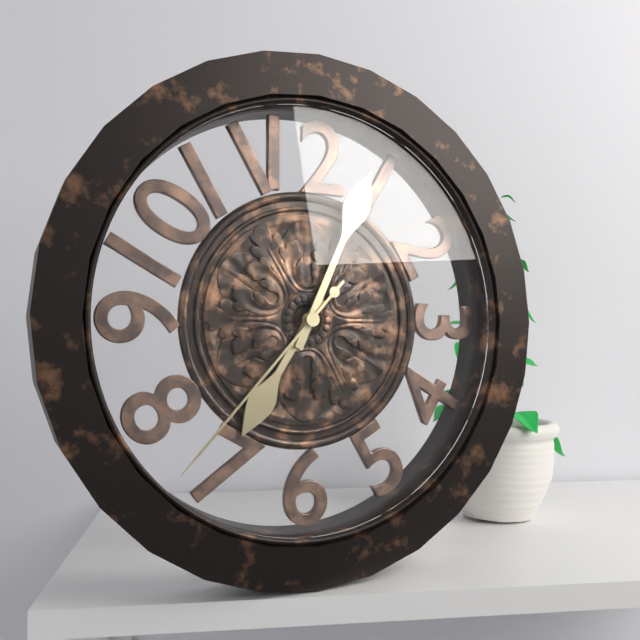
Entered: 7 h 04 min 37 s
